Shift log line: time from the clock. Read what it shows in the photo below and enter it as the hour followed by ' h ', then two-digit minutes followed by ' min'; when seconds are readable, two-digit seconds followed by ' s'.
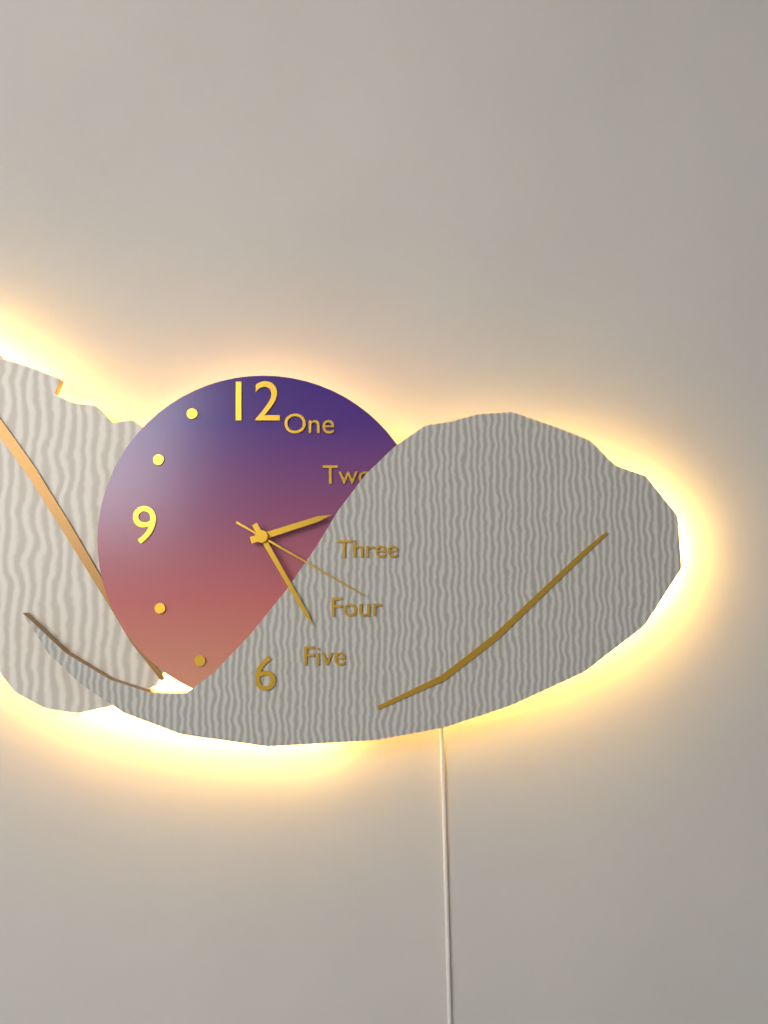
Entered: 2 h 25 min 20 s
